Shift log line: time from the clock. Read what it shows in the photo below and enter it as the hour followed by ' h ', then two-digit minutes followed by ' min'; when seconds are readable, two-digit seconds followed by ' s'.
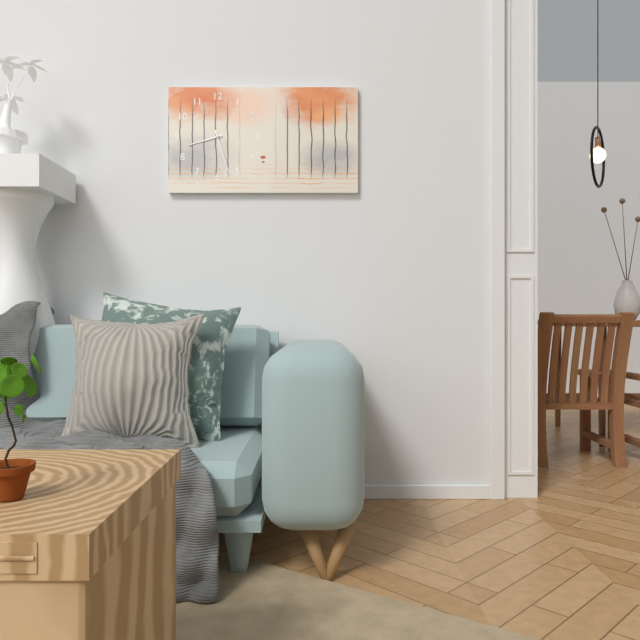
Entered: 8 h 27 min
